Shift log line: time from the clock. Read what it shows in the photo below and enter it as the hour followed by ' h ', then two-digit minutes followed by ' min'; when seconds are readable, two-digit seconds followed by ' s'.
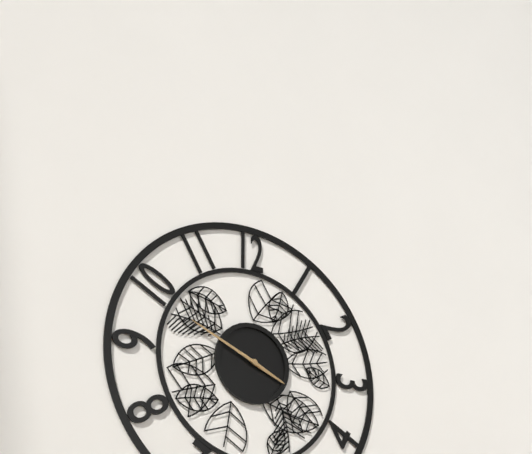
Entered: 3 h 49 min
